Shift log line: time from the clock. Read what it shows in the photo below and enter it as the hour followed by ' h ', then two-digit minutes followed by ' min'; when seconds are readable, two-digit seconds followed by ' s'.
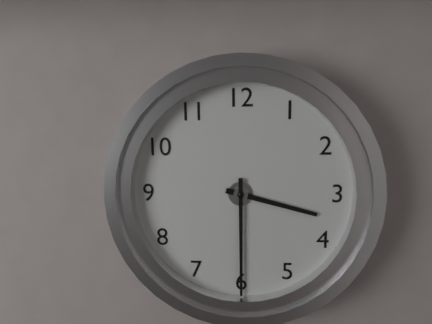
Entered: 3 h 30 min
